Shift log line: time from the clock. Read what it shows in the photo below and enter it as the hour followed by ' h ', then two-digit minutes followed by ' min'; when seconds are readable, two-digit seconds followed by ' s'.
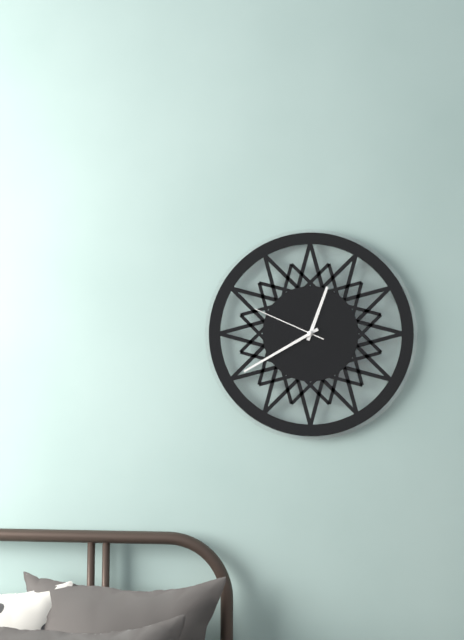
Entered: 12 h 40 min 49 s
